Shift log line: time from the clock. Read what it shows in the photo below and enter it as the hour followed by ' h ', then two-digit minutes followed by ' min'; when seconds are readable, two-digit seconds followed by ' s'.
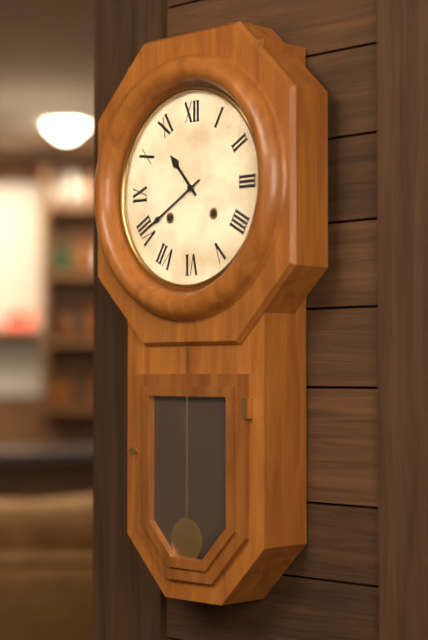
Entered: 10 h 40 min
